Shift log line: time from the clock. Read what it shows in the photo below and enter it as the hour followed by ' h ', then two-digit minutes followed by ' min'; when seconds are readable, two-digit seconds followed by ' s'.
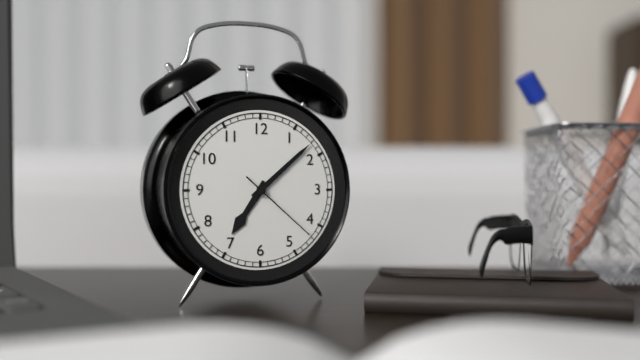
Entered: 7 h 08 min 22 s
